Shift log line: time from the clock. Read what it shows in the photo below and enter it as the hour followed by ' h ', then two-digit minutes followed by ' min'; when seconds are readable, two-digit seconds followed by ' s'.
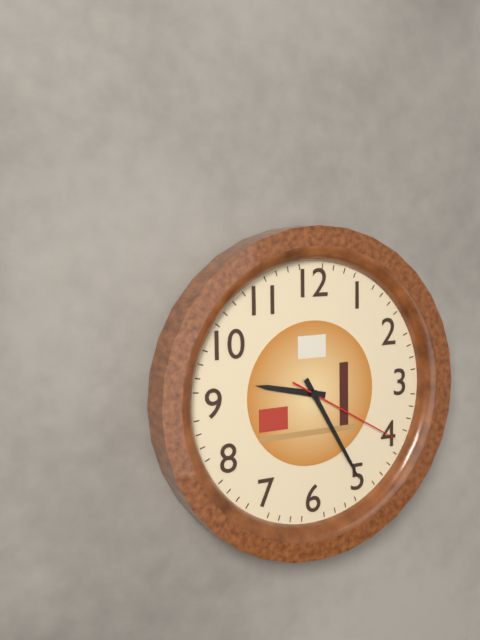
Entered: 9 h 25 min 20 s
